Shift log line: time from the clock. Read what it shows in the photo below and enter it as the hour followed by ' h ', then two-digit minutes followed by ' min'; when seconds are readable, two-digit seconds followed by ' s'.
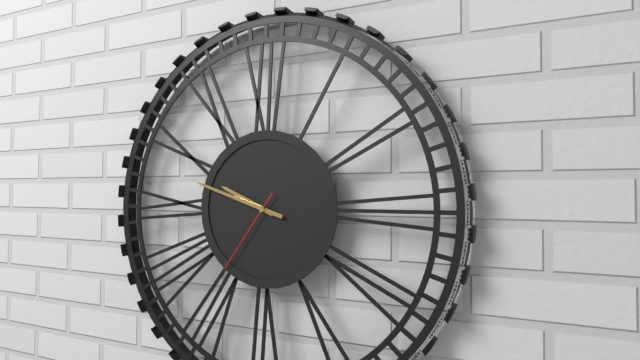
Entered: 9 h 48 min 36 s
